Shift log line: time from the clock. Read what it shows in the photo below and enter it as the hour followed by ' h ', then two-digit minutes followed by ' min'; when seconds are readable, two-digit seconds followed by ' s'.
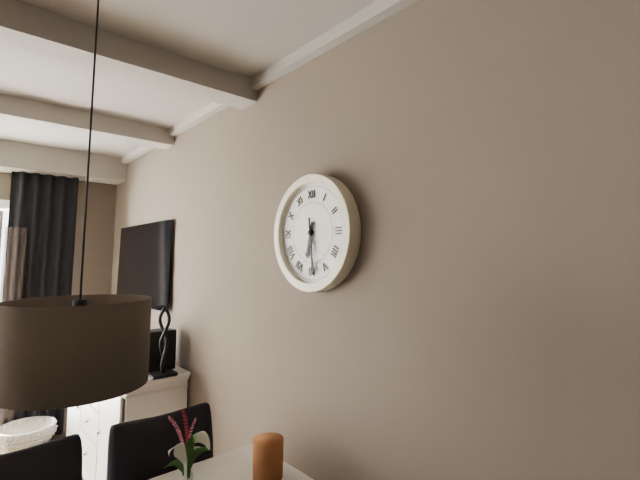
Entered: 6 h 29 min
